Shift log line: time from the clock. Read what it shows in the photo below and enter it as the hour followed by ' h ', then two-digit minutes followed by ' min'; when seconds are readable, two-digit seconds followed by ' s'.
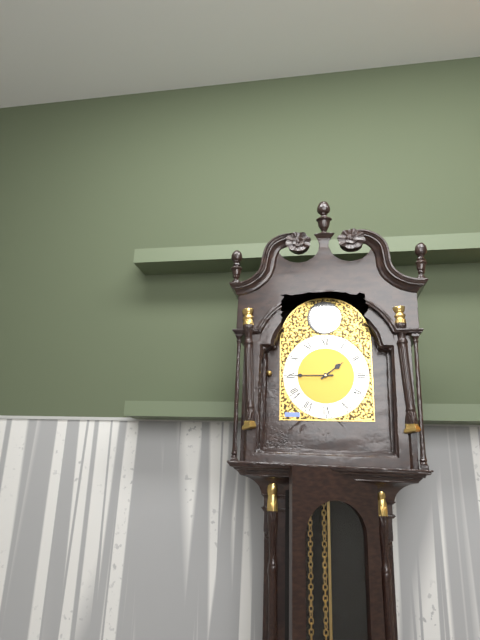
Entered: 1 h 45 min
